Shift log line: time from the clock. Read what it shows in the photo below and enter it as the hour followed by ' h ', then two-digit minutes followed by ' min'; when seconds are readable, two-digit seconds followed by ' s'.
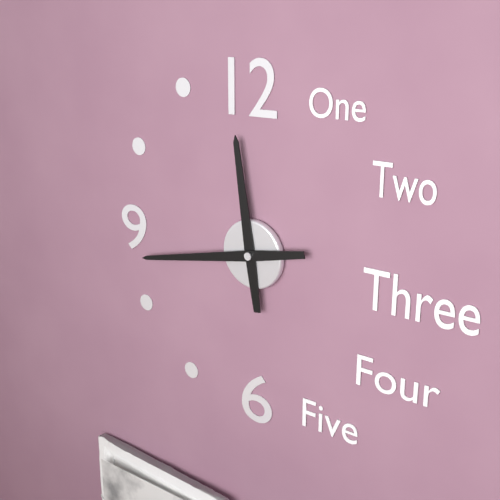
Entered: 11 h 43 min
